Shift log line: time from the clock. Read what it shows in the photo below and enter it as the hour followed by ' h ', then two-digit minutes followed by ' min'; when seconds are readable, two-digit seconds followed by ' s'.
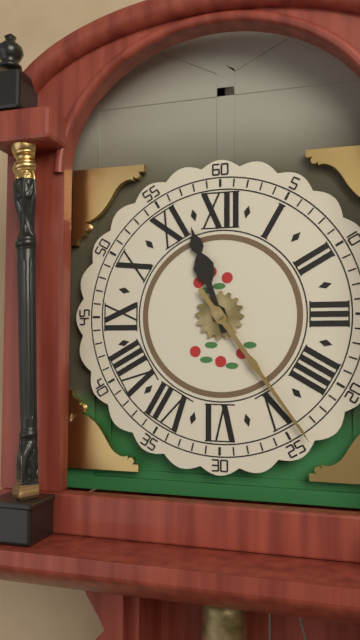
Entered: 11 h 24 min
